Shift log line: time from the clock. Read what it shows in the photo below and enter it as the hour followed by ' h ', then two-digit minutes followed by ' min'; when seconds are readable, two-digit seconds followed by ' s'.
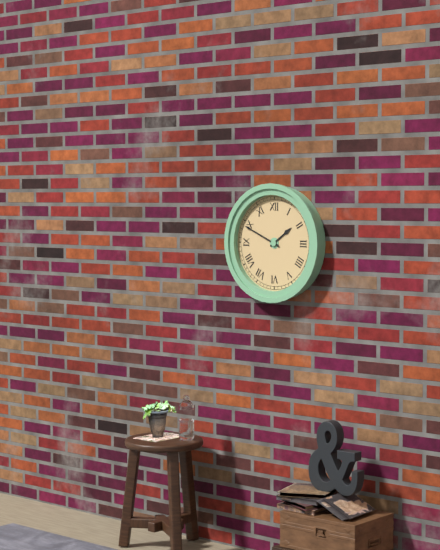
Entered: 1 h 49 min
